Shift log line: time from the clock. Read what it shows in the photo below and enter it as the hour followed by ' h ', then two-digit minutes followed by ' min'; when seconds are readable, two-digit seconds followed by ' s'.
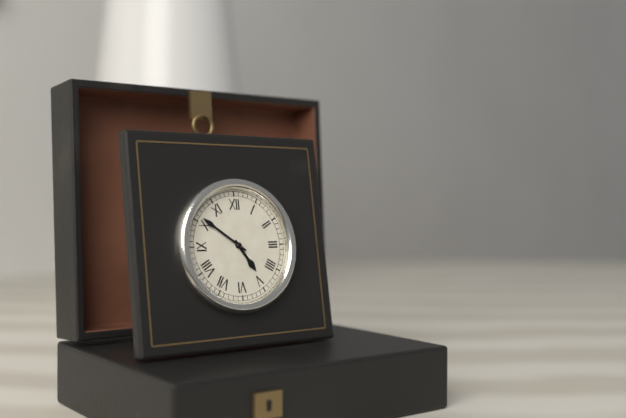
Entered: 4 h 51 min
